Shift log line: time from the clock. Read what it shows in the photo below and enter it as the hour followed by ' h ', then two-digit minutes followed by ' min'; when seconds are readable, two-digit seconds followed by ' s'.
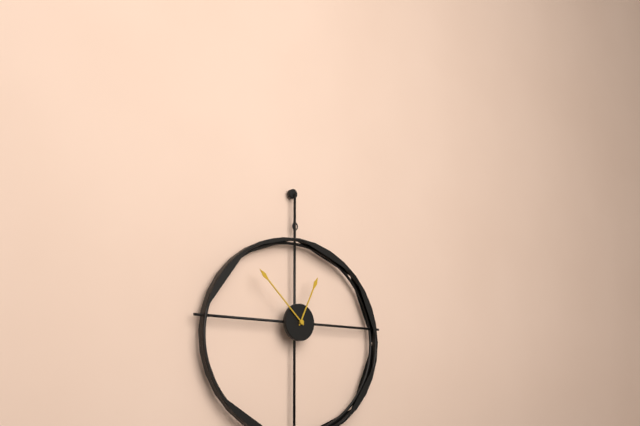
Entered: 12 h 52 min
